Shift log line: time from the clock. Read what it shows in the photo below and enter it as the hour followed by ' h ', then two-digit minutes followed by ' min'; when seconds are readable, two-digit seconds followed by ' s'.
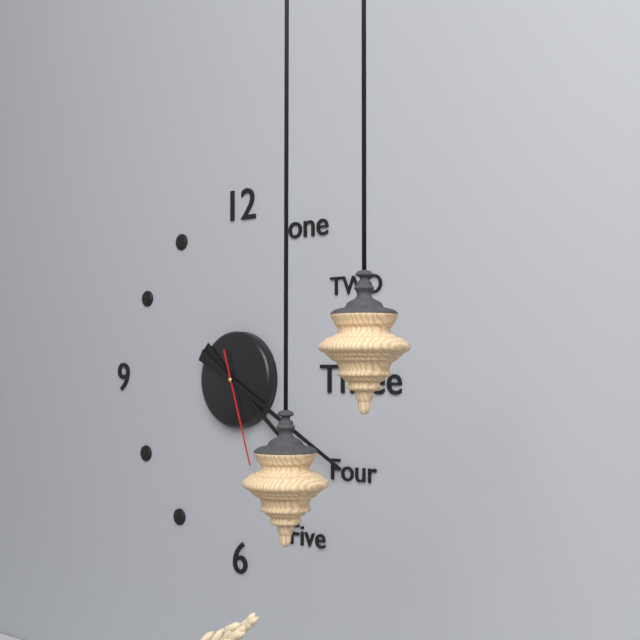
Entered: 4 h 20 min 27 s
